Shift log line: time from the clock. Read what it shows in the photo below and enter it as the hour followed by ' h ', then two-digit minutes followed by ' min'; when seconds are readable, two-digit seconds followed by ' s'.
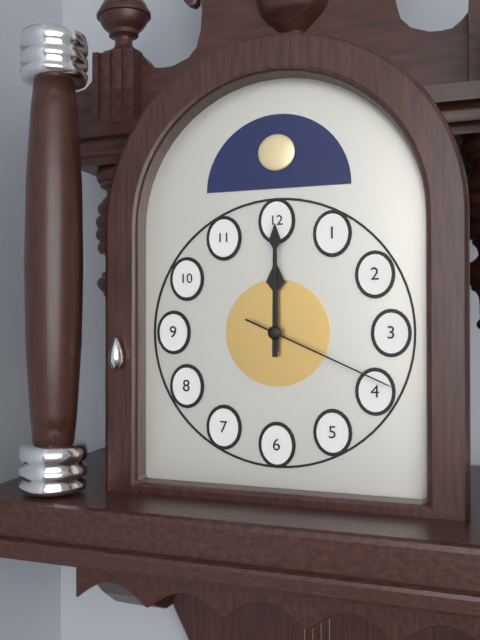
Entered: 12 h 00 min 19 s
